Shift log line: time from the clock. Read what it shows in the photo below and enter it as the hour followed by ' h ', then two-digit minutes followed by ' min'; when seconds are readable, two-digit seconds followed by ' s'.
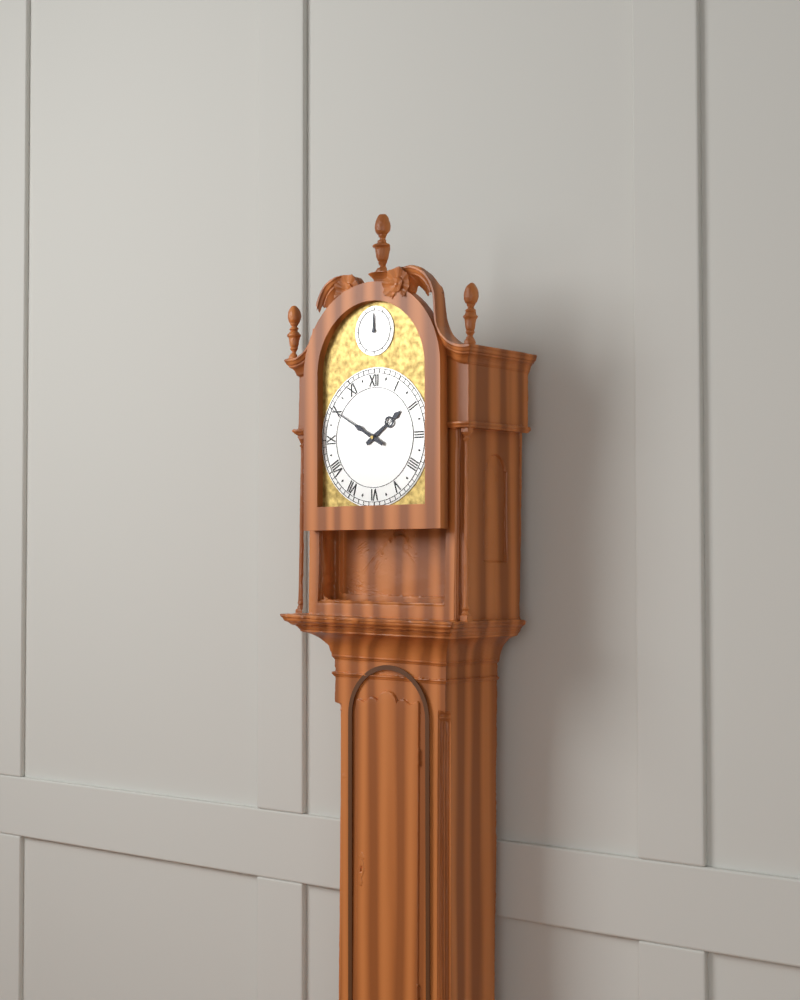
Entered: 1 h 50 min
